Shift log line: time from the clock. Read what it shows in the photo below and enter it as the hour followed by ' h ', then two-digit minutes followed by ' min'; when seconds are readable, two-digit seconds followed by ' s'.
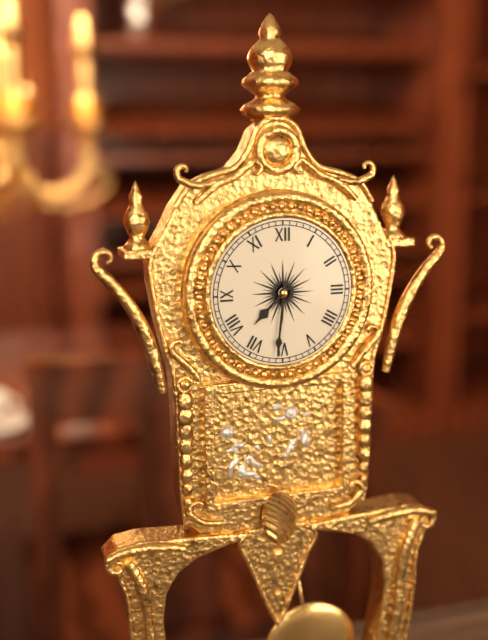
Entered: 7 h 31 min
